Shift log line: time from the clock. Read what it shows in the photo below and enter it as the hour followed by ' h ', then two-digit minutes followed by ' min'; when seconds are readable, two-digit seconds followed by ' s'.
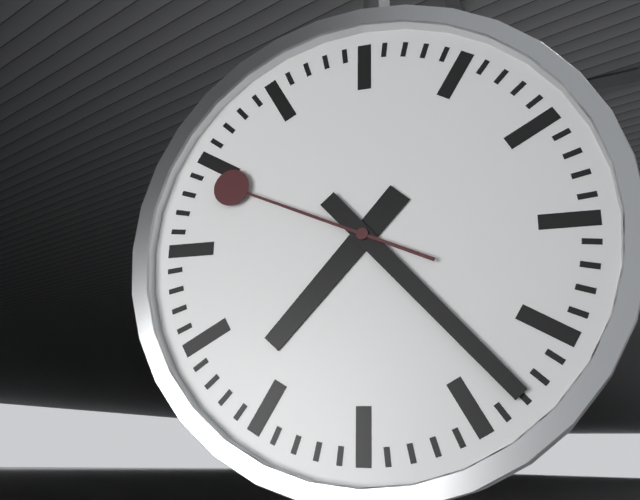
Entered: 7 h 23 min 49 s
